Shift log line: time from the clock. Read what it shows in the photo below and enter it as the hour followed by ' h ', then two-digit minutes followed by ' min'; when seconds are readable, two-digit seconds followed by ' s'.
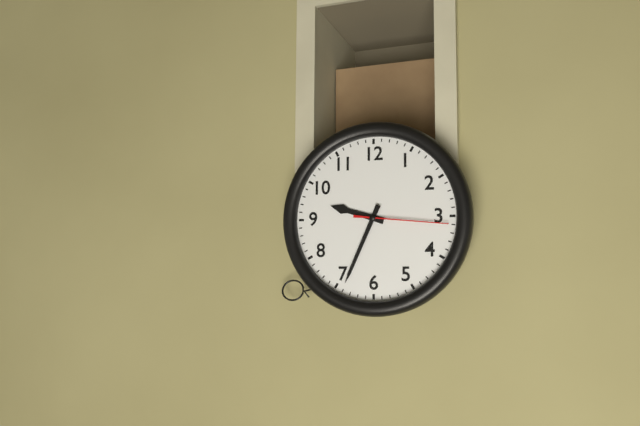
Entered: 9 h 34 min 16 s
